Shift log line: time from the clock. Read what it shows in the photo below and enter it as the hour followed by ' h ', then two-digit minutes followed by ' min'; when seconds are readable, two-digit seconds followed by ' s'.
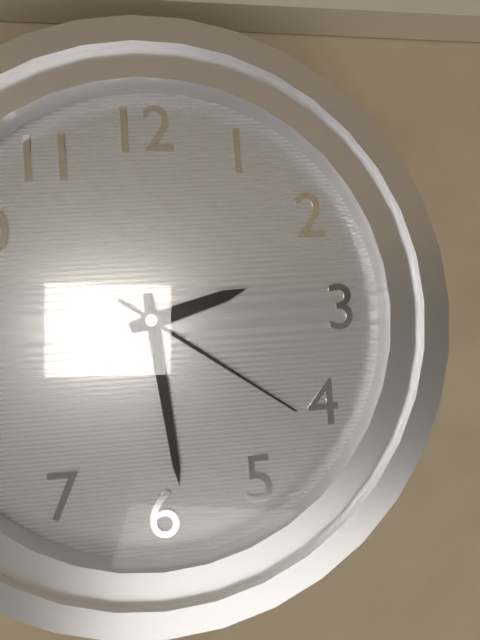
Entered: 2 h 29 min 21 s
